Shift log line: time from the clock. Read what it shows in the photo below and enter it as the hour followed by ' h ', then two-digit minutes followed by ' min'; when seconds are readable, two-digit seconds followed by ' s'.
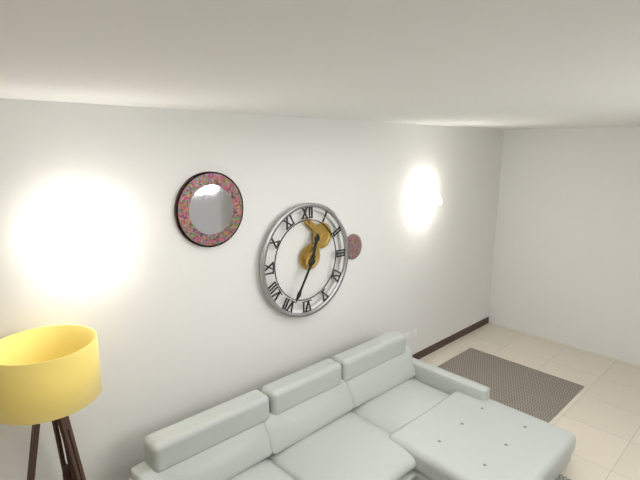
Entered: 12 h 35 min
